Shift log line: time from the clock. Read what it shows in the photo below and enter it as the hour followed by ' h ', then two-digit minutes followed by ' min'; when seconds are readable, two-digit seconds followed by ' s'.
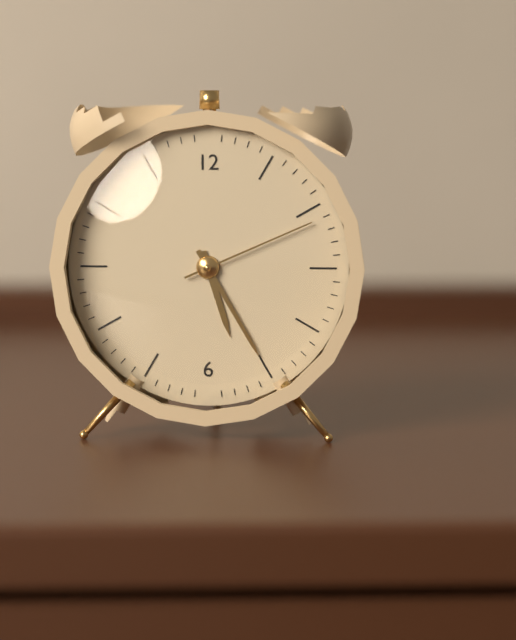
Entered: 5 h 25 min 11 s
